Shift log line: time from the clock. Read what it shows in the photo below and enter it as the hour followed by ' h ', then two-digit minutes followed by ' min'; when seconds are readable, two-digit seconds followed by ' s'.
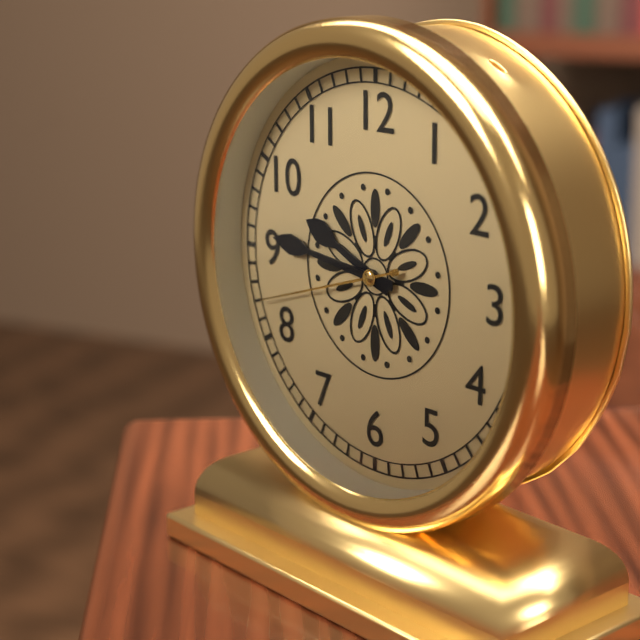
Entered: 9 h 46 min 42 s
